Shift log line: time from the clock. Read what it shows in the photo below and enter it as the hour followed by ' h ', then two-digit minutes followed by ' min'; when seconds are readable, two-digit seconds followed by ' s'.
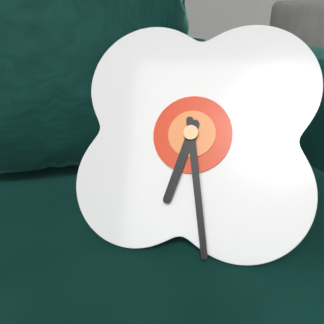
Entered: 6 h 28 min
